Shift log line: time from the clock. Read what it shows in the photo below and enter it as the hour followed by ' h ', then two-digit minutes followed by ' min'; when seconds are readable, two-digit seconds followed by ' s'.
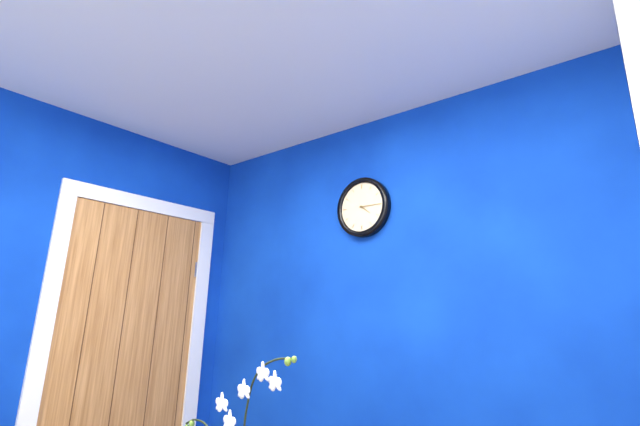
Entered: 4 h 15 min
